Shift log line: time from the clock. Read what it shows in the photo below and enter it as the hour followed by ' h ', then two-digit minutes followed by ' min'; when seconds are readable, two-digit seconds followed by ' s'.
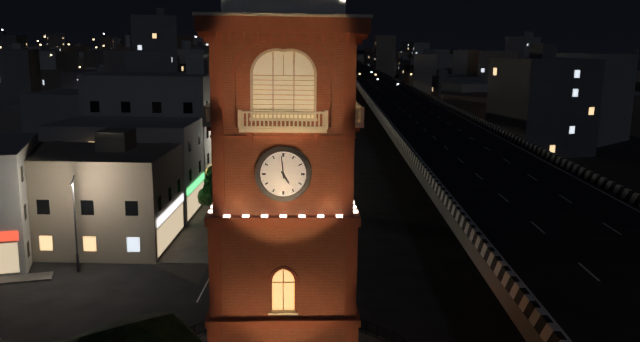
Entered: 4 h 59 min
